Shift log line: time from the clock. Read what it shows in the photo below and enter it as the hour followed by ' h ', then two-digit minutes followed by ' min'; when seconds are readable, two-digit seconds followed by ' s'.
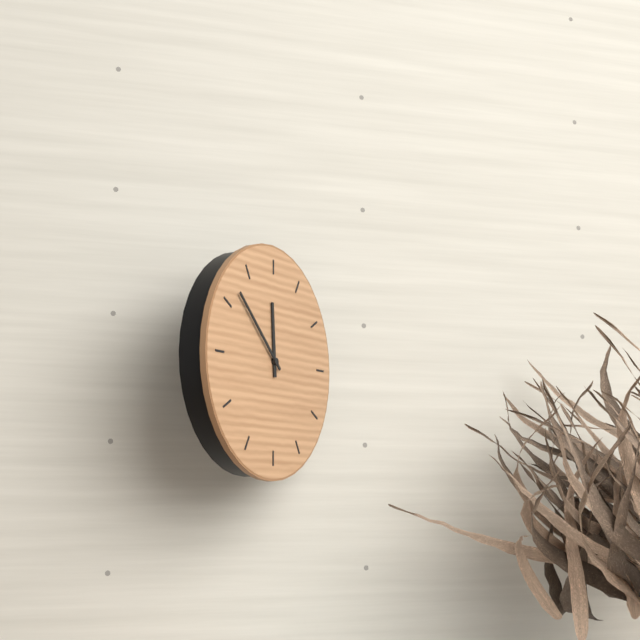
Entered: 11 h 52 min
